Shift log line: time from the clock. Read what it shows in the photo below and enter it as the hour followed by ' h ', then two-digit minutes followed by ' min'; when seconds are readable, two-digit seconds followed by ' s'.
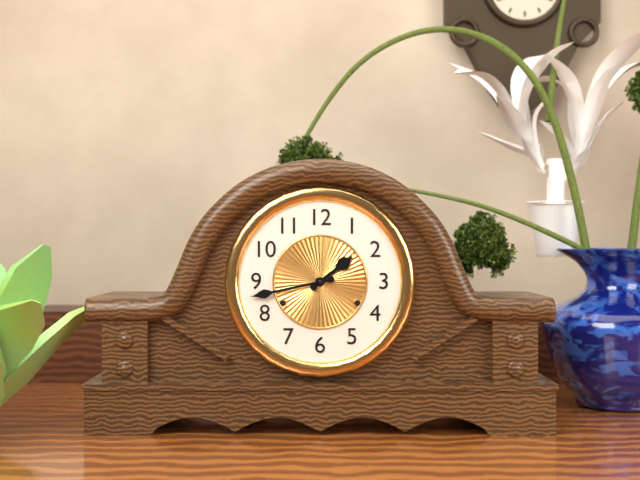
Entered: 1 h 43 min
